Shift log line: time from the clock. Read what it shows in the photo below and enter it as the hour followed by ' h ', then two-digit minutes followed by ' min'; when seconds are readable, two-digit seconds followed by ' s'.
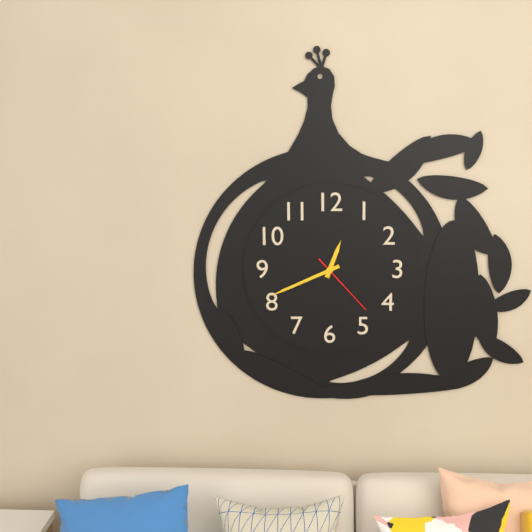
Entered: 12 h 41 min 23 s
